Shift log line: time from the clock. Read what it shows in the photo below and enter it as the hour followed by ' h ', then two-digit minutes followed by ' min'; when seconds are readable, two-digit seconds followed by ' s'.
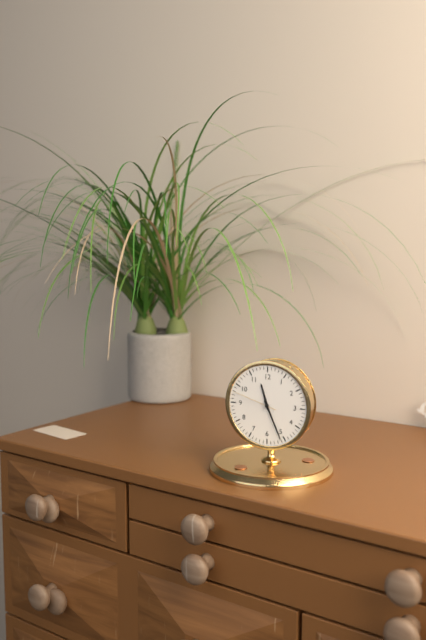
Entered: 11 h 26 min
